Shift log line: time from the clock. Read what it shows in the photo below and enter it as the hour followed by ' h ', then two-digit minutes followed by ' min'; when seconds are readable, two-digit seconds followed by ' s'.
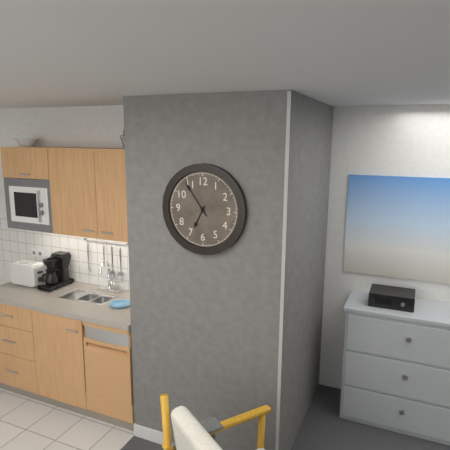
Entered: 6 h 54 min
